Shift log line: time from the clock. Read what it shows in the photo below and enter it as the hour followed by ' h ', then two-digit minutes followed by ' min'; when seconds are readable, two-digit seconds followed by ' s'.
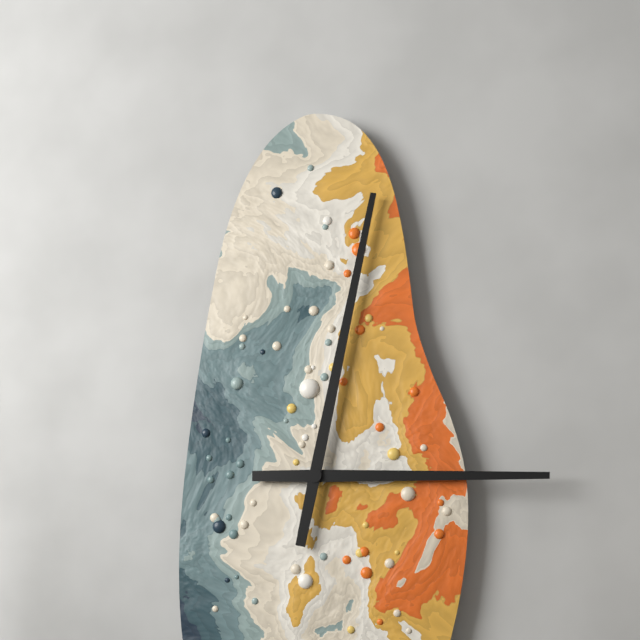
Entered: 3 h 02 min
